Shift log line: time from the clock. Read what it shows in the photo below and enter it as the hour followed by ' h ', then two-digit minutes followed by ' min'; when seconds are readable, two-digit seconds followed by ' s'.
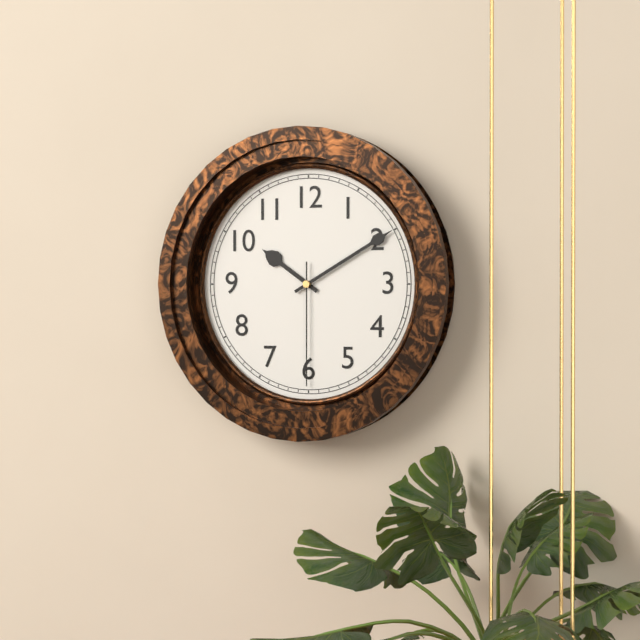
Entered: 10 h 10 min 30 s
